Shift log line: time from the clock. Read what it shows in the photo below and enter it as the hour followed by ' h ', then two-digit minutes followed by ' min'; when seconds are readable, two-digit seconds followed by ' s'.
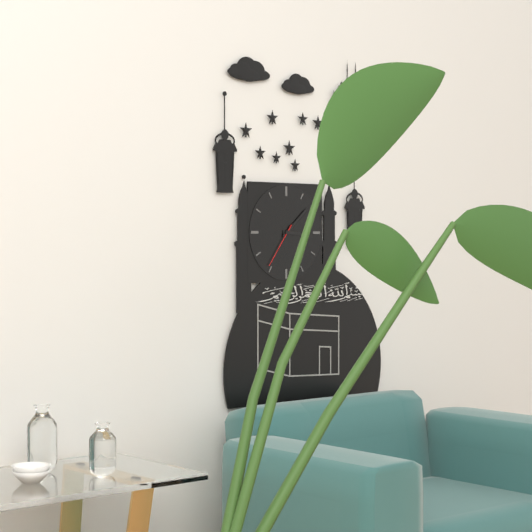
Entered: 3 h 08 min
